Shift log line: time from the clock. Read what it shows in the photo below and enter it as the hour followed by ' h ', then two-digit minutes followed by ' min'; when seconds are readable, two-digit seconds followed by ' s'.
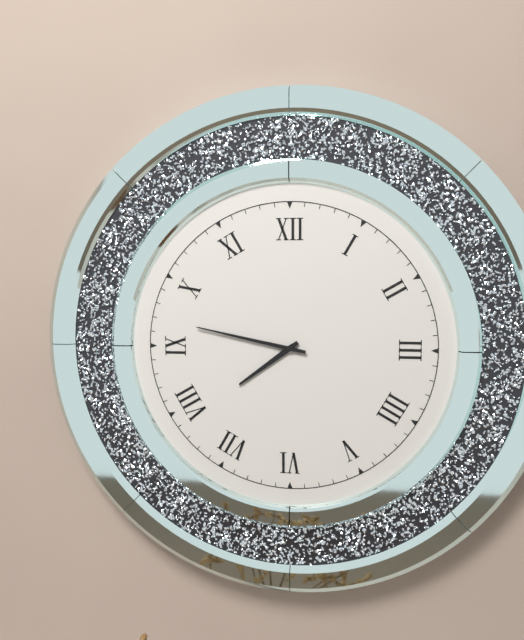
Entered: 7 h 47 min
